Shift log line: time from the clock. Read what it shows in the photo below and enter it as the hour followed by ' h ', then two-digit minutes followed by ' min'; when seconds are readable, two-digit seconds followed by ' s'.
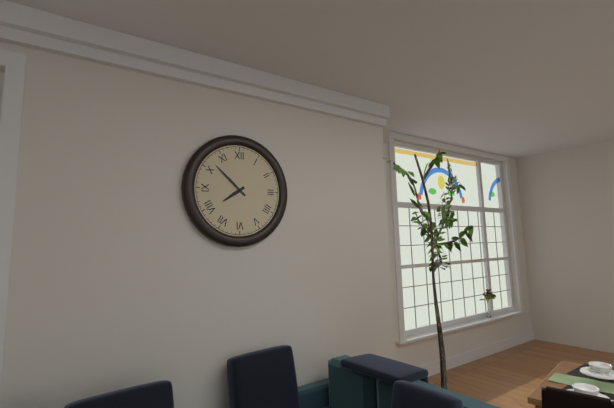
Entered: 7 h 52 min
